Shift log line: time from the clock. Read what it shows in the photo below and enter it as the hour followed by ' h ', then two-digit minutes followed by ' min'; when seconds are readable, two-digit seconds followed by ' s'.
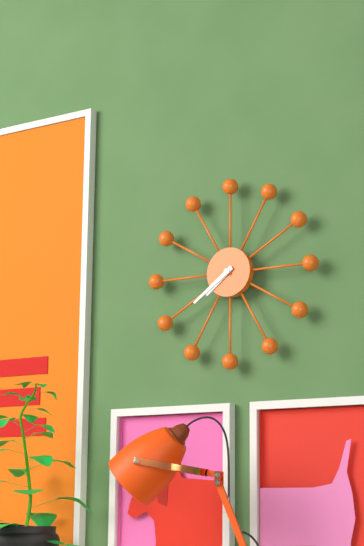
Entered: 7 h 39 min
